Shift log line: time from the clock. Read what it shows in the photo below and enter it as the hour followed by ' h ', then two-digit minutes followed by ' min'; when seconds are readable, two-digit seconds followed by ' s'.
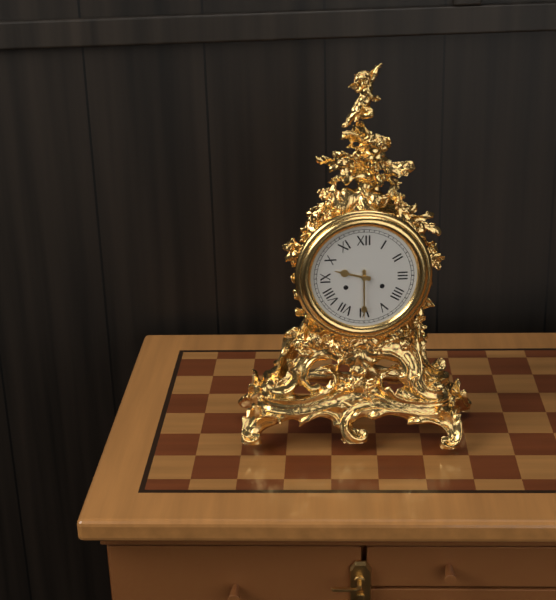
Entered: 9 h 30 min
